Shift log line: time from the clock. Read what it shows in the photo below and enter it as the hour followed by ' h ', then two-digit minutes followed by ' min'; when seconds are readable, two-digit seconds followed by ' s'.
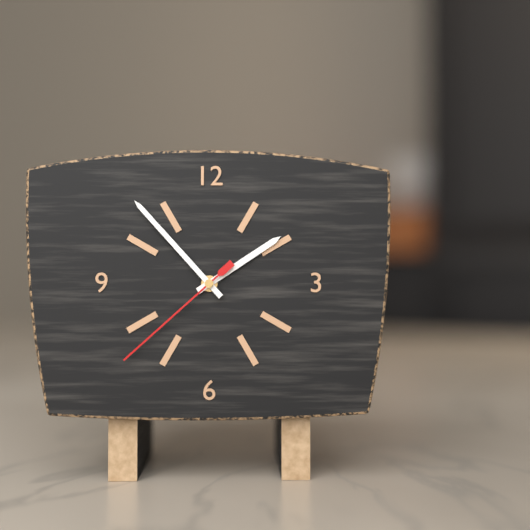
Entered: 1 h 53 min 38 s
